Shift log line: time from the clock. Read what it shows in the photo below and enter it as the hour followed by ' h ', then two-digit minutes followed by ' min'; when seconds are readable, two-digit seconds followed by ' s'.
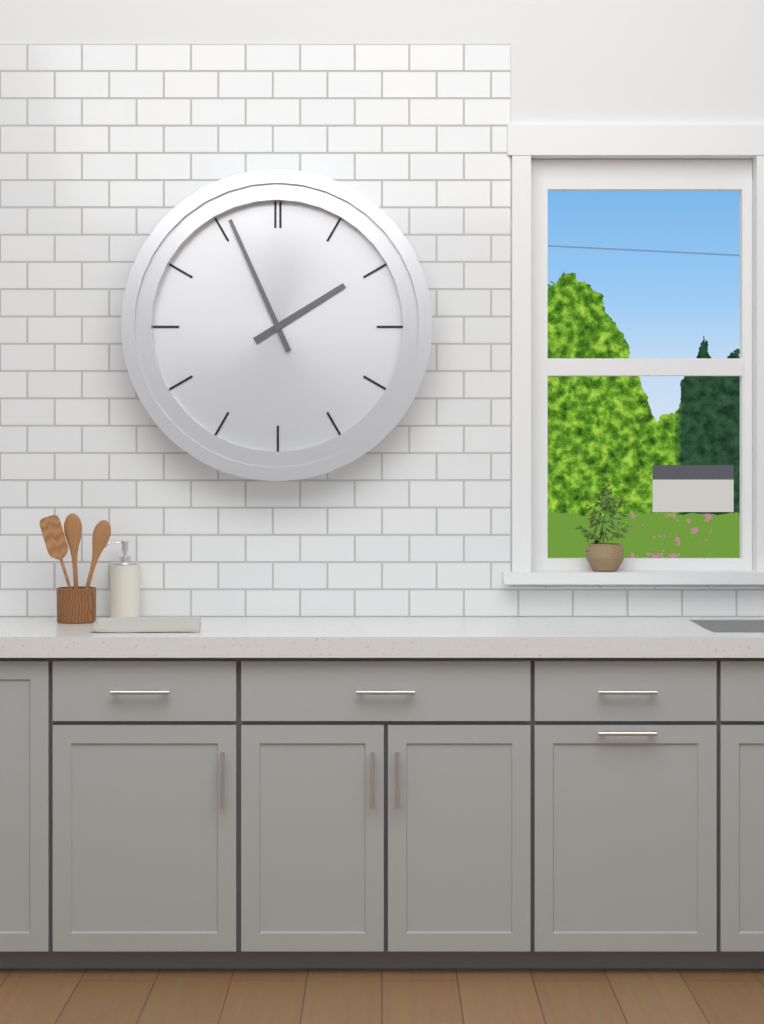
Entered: 1 h 56 min
